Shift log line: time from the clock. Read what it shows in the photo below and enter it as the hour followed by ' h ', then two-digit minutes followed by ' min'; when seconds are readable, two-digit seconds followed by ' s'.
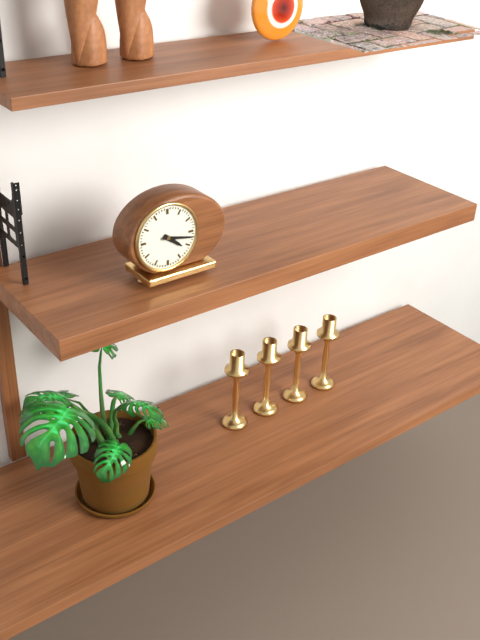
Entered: 4 h 17 min
